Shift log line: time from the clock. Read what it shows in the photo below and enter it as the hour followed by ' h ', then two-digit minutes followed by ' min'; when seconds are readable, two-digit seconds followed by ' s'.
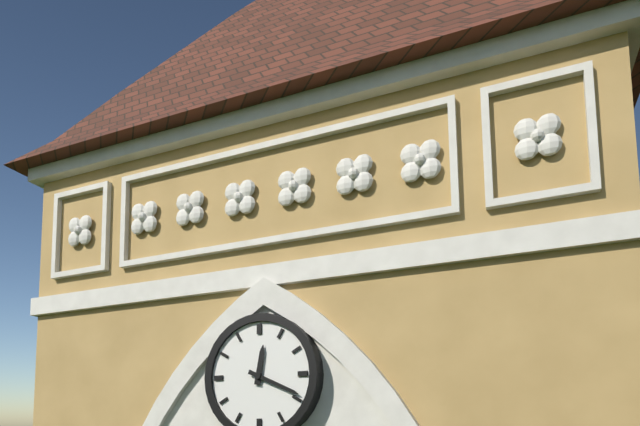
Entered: 12 h 19 min
